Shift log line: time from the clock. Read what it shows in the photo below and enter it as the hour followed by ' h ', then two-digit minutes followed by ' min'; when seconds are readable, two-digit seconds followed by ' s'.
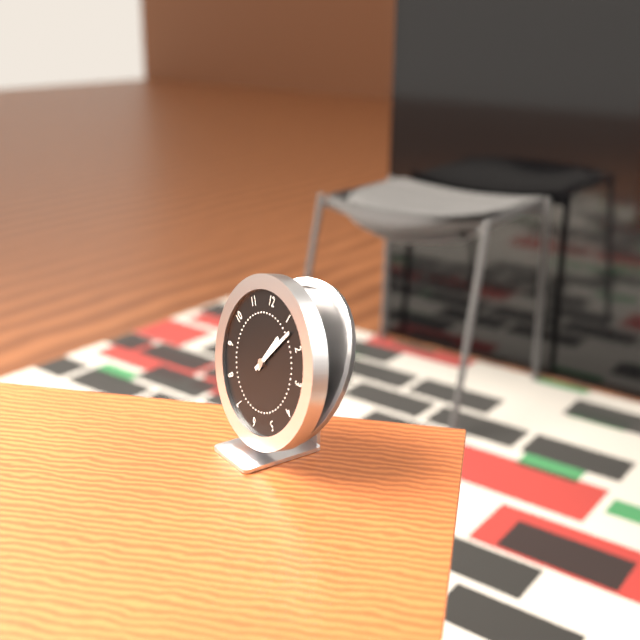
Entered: 1 h 07 min
